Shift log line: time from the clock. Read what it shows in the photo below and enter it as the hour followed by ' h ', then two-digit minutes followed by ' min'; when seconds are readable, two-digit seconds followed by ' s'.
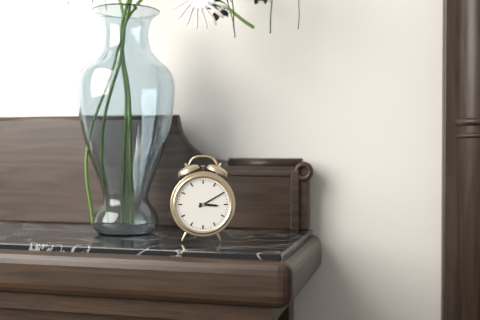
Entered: 3 h 10 min
